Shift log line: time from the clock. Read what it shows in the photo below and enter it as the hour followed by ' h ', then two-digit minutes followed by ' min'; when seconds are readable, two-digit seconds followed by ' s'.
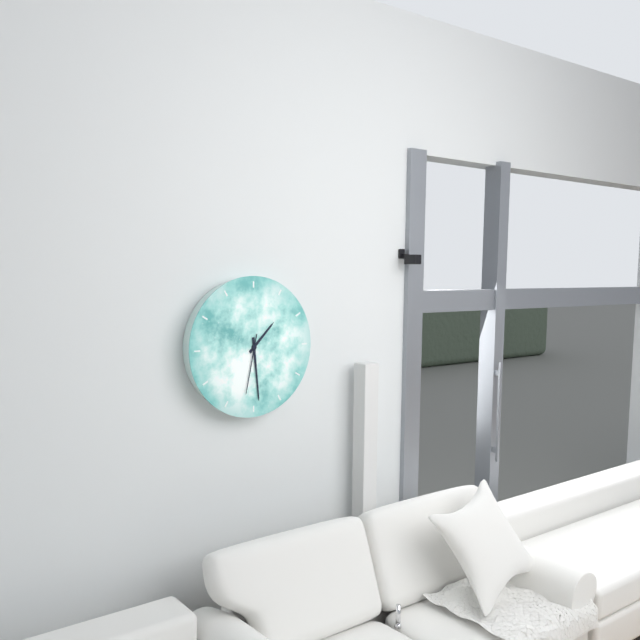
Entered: 1 h 29 min 32 s
